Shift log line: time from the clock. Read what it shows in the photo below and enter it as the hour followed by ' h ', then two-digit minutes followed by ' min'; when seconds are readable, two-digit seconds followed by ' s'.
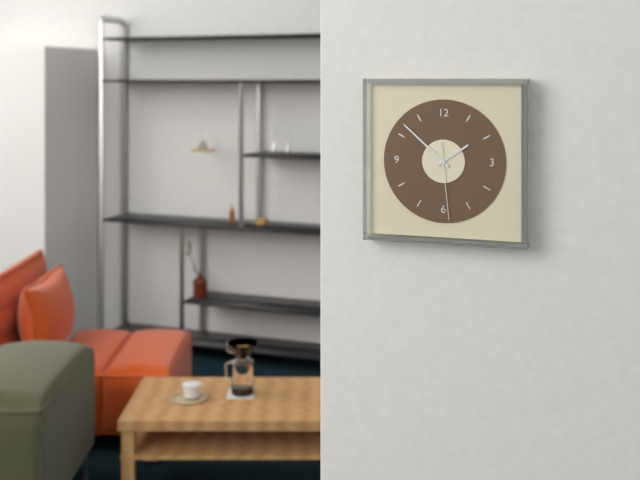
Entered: 1 h 52 min 29 s
